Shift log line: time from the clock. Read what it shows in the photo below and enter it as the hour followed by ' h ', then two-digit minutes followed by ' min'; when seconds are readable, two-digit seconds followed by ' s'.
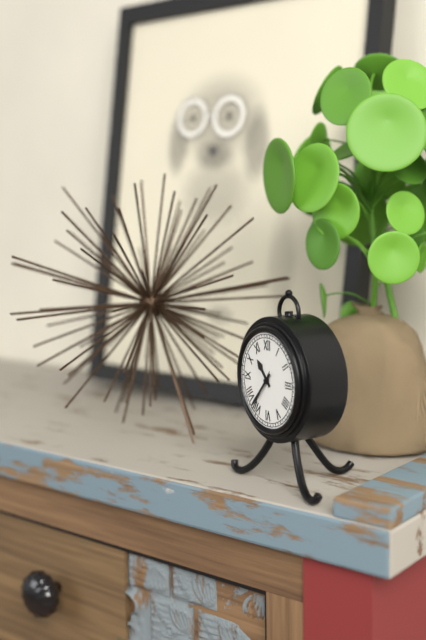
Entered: 10 h 37 min 36 s
